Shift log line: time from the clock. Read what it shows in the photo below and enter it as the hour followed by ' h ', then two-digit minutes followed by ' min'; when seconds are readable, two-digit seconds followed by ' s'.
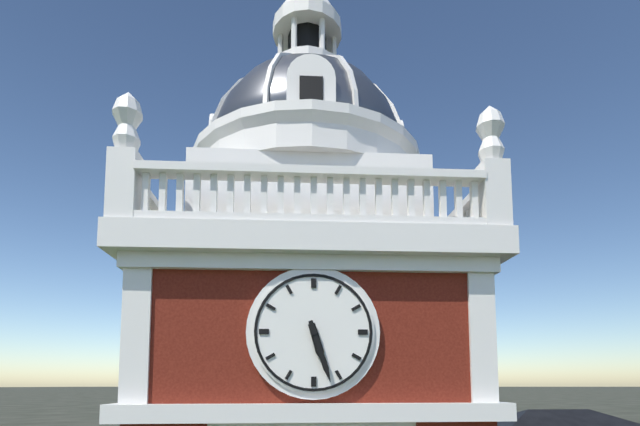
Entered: 5 h 27 min
